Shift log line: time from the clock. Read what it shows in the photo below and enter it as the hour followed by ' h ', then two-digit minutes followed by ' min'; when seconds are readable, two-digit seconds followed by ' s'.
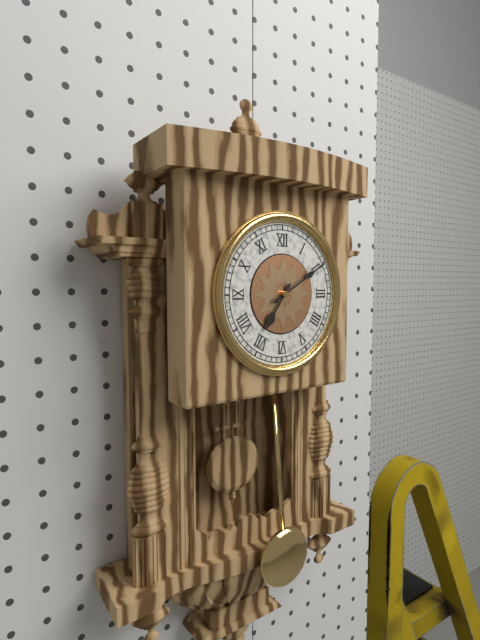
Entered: 7 h 10 min
